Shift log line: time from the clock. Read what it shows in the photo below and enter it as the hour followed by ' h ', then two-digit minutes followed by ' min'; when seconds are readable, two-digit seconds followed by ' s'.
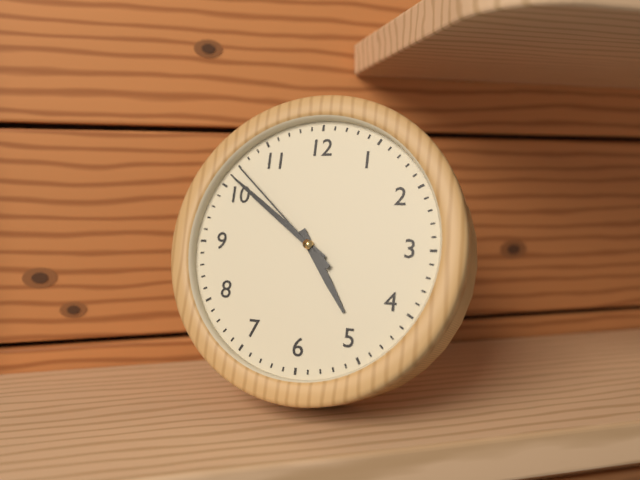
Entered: 4 h 51 min 52 s
